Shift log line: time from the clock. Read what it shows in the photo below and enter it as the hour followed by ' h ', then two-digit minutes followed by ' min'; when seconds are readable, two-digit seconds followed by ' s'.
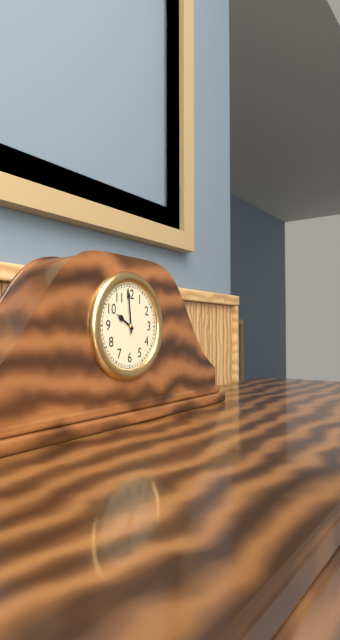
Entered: 9 h 59 min
